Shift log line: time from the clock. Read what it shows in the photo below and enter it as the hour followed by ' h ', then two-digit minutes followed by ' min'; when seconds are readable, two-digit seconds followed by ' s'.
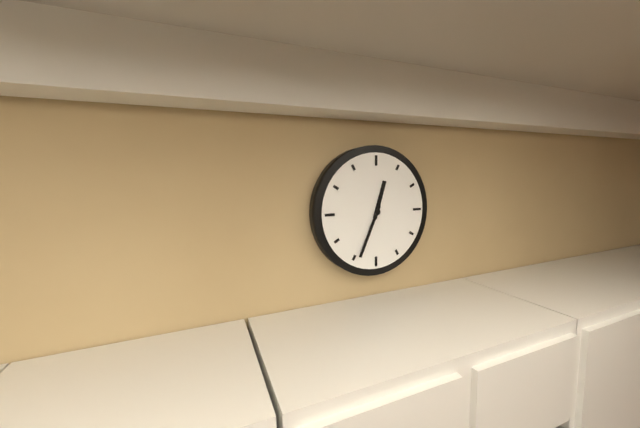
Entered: 12 h 34 min
